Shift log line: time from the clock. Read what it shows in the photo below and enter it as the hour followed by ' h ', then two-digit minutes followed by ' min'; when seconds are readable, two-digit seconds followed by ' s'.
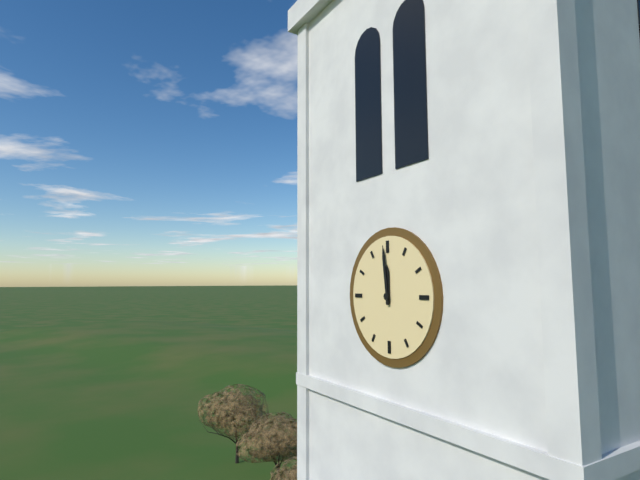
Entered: 11 h 59 min
